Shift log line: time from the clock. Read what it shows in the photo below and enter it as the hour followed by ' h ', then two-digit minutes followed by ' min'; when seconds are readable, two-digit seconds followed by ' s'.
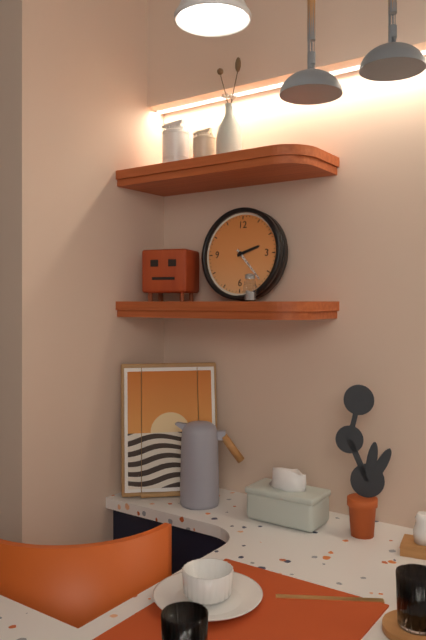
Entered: 2 h 23 min
